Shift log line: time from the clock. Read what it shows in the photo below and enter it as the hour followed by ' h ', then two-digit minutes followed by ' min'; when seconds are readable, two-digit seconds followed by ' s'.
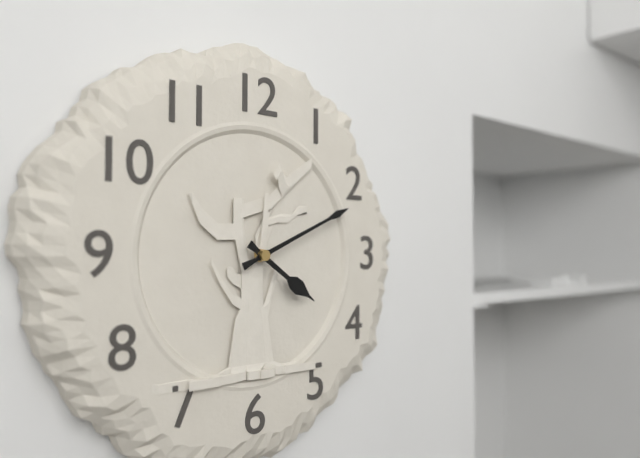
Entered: 4 h 11 min
